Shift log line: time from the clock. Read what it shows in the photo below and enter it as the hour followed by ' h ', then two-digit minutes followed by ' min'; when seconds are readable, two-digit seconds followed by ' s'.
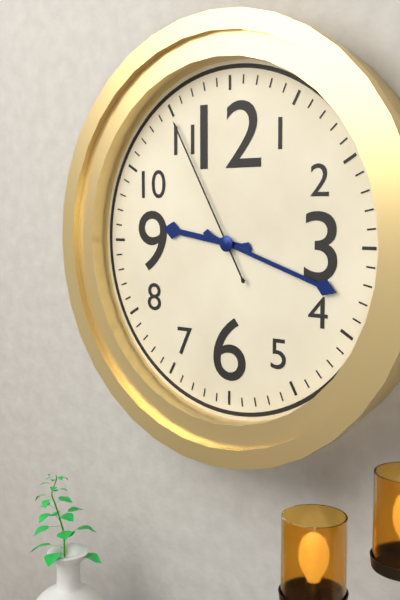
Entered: 9 h 18 min 55 s
